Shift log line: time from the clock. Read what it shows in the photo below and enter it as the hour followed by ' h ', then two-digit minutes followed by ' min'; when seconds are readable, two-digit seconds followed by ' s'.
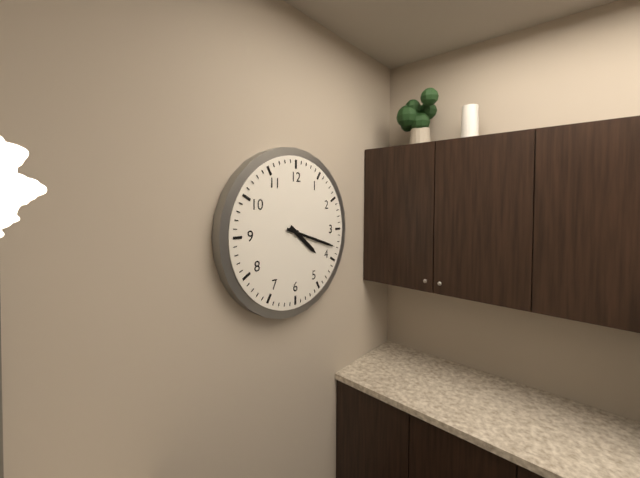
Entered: 4 h 18 min
